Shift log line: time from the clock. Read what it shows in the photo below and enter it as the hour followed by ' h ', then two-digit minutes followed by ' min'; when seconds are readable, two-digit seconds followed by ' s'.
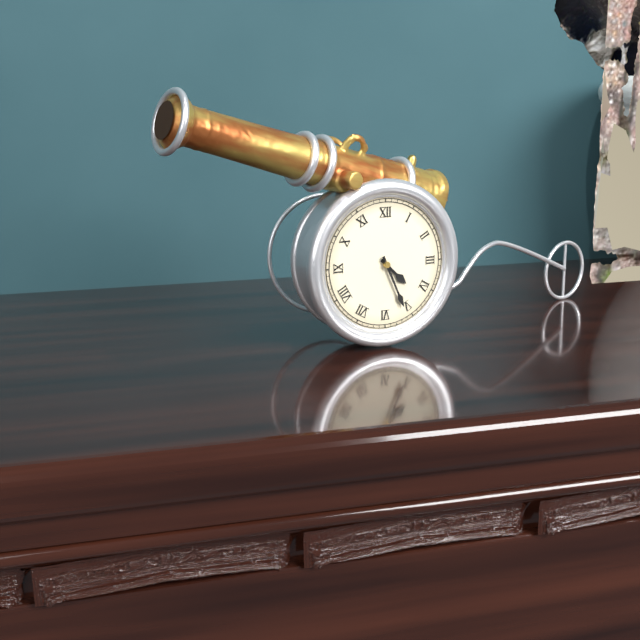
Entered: 4 h 26 min
